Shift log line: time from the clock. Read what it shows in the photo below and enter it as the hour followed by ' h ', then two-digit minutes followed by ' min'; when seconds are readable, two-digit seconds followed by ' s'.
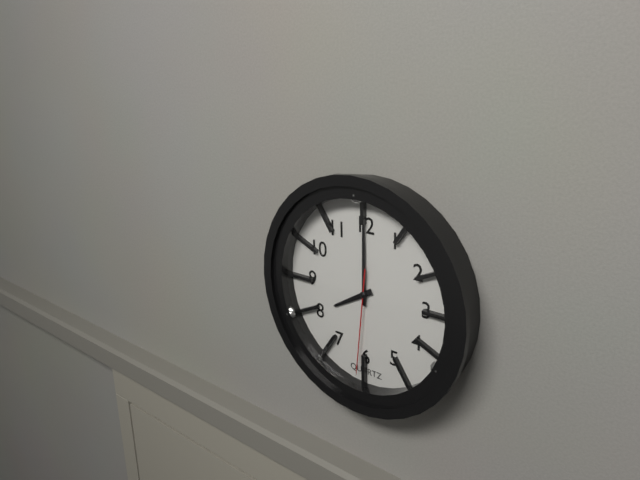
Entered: 8 h 00 min 31 s
